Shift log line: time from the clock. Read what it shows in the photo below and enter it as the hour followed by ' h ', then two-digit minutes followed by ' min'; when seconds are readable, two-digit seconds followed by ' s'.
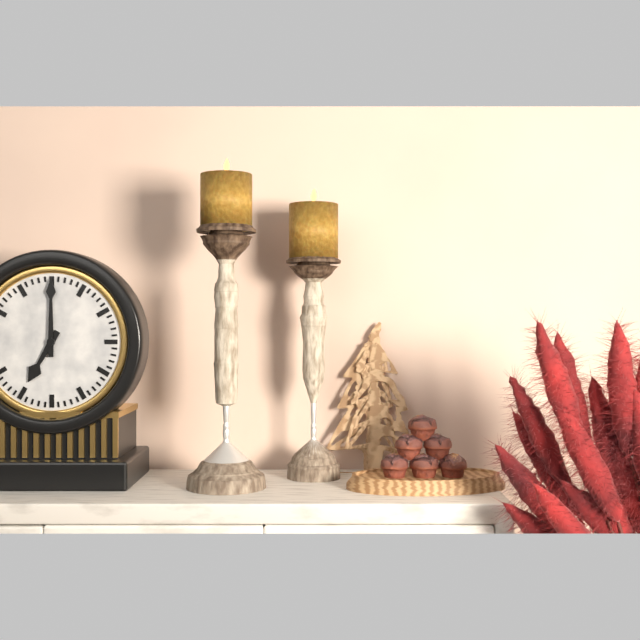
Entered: 7 h 00 min
